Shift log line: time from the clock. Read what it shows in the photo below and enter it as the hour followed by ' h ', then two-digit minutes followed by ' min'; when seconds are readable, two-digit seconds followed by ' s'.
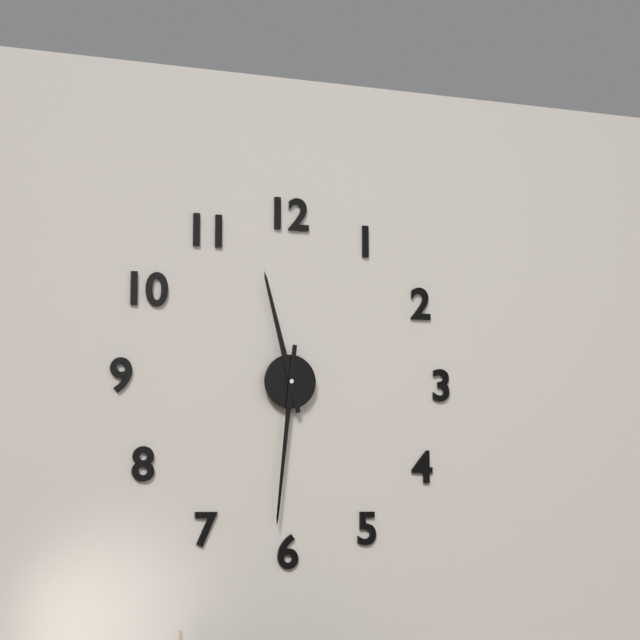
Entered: 11 h 31 min
